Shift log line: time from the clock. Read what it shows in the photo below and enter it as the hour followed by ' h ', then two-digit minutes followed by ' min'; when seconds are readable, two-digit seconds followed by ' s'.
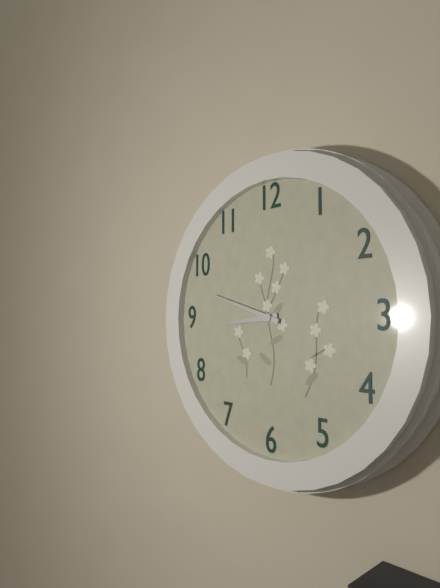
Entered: 8 h 48 min
